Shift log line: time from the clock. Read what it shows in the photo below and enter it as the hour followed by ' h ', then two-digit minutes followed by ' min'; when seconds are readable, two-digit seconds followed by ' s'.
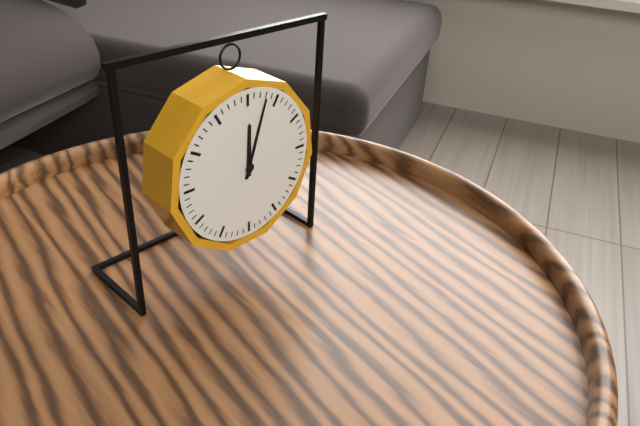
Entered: 12 h 03 min
